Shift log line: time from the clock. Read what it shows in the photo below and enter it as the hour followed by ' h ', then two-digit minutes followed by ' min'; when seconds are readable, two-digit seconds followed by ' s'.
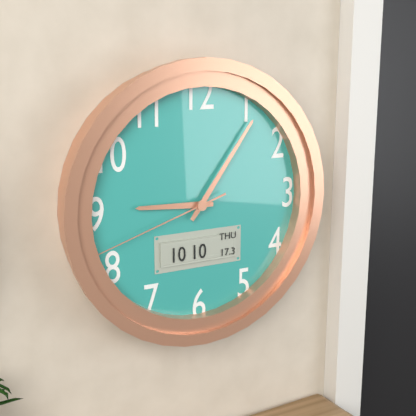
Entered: 9 h 06 min 42 s
